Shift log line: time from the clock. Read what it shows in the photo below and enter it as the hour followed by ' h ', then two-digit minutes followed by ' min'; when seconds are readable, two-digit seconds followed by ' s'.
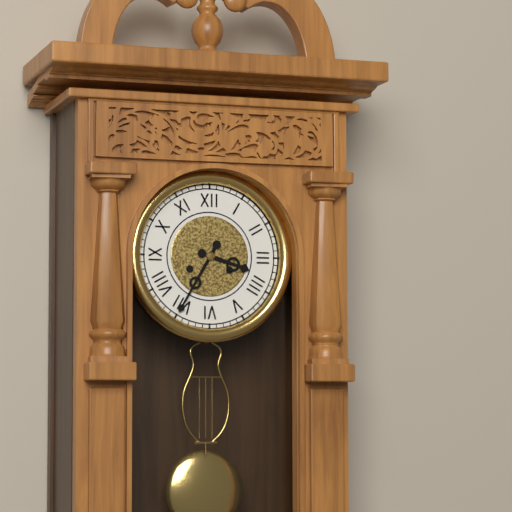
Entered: 3 h 35 min
